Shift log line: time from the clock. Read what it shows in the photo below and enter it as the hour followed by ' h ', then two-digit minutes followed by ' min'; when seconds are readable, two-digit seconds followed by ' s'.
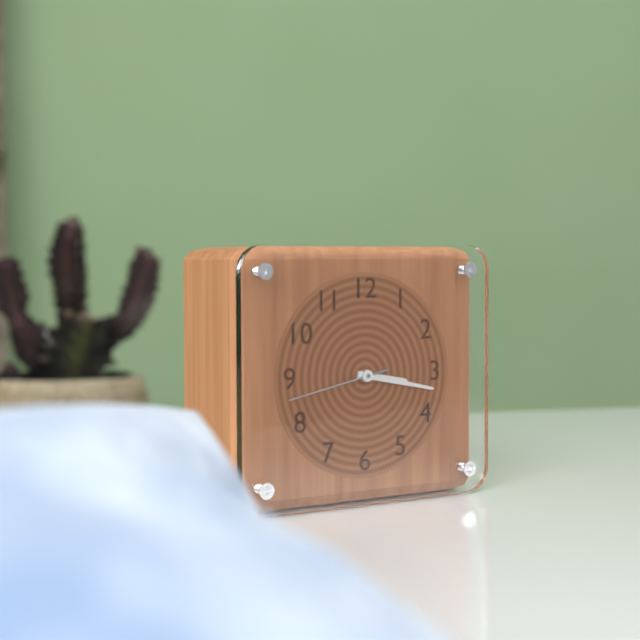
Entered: 3 h 17 min 43 s
